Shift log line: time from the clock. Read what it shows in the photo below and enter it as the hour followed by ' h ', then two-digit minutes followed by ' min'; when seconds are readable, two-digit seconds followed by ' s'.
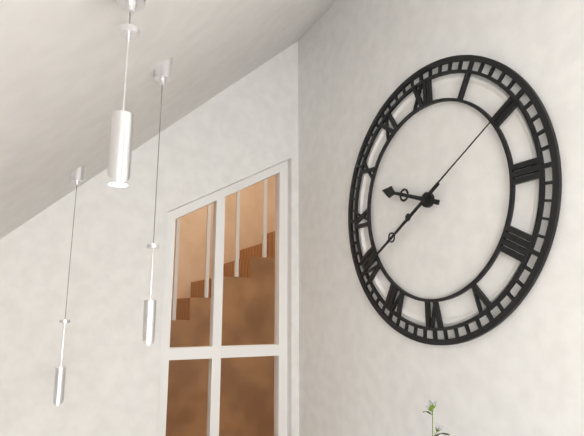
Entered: 9 h 40 min 10 s
